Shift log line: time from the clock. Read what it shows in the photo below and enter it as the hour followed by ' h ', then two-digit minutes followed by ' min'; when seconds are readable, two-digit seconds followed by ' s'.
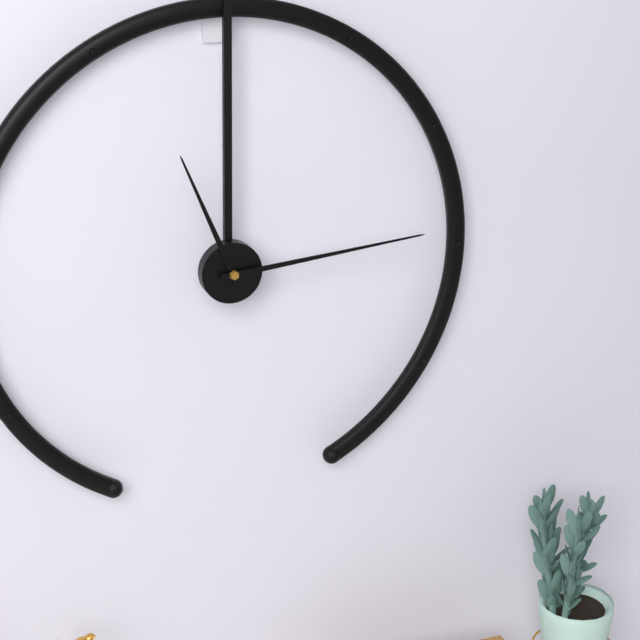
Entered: 11 h 14 min
